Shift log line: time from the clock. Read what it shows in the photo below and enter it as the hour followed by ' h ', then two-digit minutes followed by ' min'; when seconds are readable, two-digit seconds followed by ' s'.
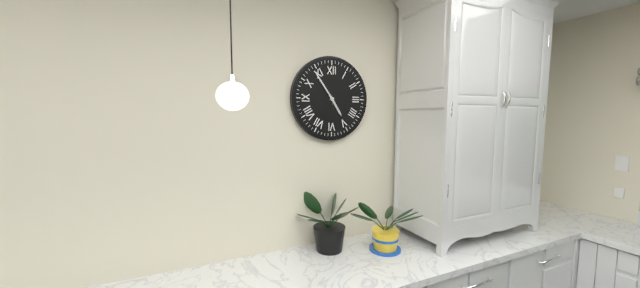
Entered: 4 h 54 min
